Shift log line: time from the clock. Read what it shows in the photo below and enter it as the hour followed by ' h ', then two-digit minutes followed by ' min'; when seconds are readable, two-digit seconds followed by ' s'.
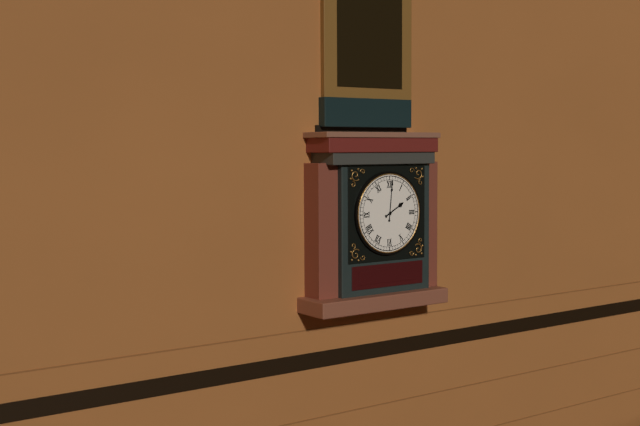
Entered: 2 h 01 min
